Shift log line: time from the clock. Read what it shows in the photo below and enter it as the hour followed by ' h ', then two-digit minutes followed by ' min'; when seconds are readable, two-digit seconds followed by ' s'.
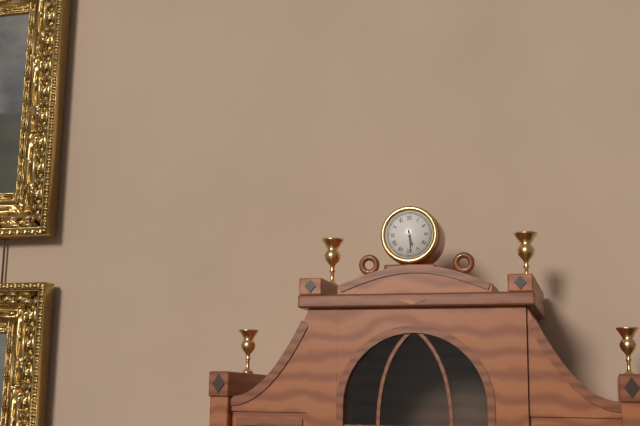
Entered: 5 h 29 min
